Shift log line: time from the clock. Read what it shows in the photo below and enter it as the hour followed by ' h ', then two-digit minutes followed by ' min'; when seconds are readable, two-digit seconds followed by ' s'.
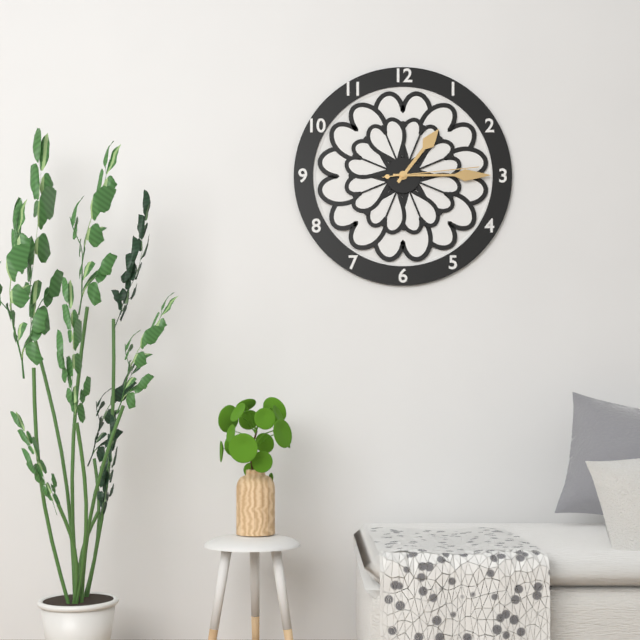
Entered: 1 h 15 min 14 s
